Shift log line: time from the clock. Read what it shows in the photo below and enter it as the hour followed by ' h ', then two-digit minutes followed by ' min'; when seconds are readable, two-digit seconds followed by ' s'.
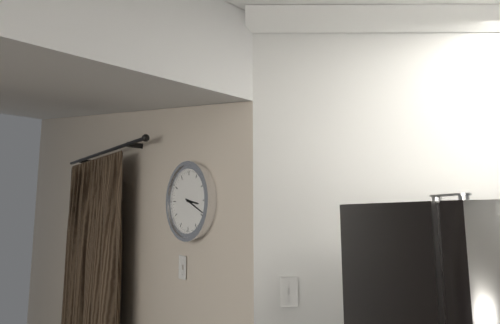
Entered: 3 h 19 min
